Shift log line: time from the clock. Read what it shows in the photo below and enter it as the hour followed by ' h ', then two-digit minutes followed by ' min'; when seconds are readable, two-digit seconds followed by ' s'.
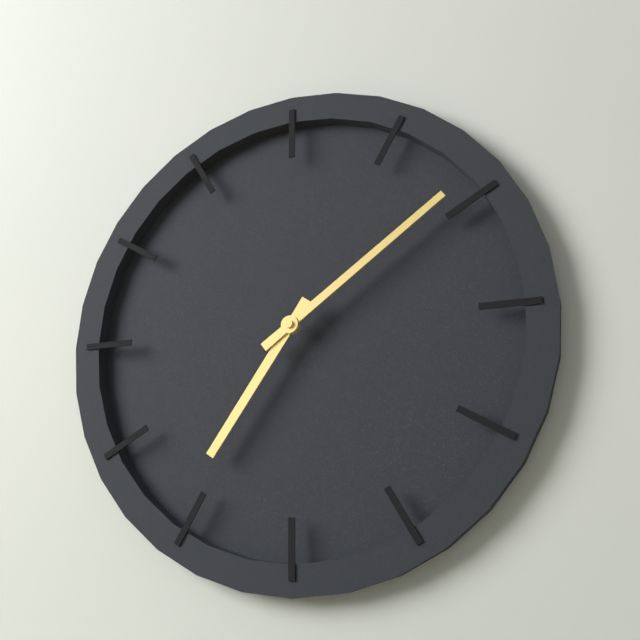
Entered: 7 h 09 min
